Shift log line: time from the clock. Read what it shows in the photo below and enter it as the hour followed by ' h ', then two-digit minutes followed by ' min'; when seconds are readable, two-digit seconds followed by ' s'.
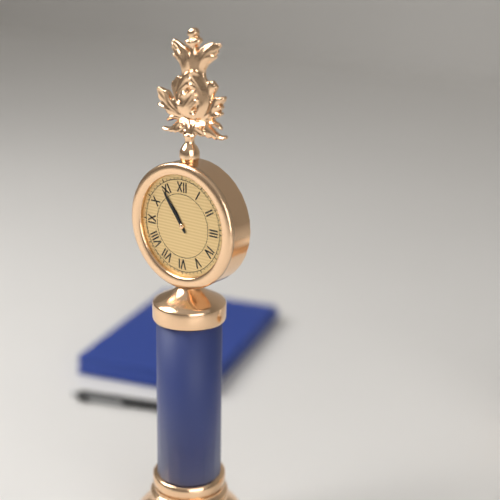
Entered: 10 h 54 min
